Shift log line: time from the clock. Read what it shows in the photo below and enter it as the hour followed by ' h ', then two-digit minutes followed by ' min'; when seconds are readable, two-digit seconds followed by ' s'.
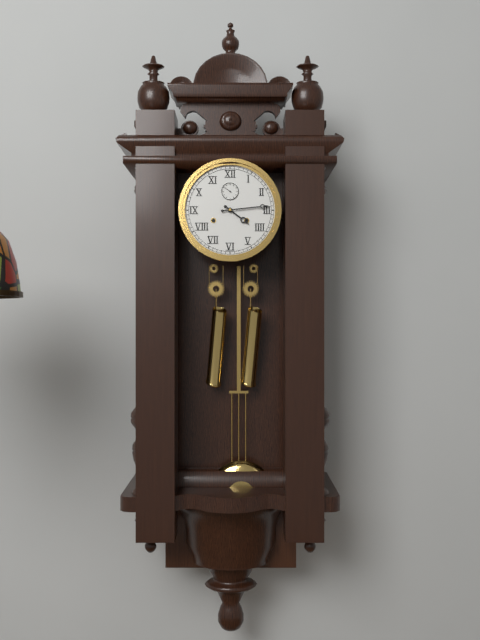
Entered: 4 h 14 min
